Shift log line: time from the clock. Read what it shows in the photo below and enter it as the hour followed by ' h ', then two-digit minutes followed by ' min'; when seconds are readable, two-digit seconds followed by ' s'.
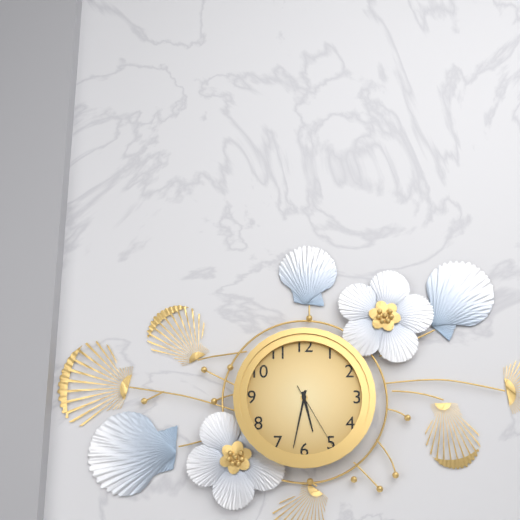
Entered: 5 h 32 min 25 s
